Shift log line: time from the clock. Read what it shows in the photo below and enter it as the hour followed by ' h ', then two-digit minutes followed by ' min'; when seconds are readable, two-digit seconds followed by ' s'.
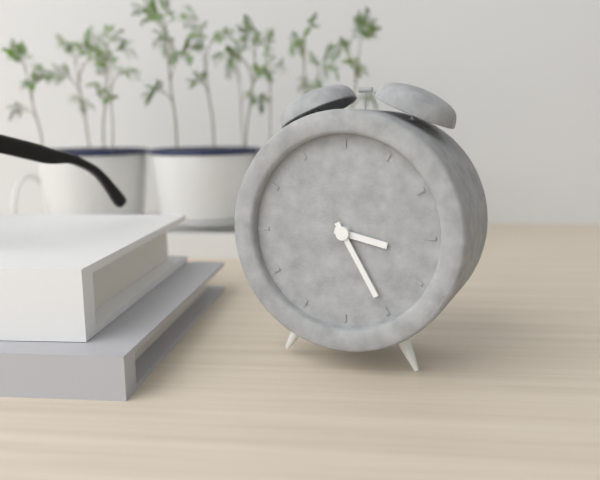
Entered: 3 h 25 min
